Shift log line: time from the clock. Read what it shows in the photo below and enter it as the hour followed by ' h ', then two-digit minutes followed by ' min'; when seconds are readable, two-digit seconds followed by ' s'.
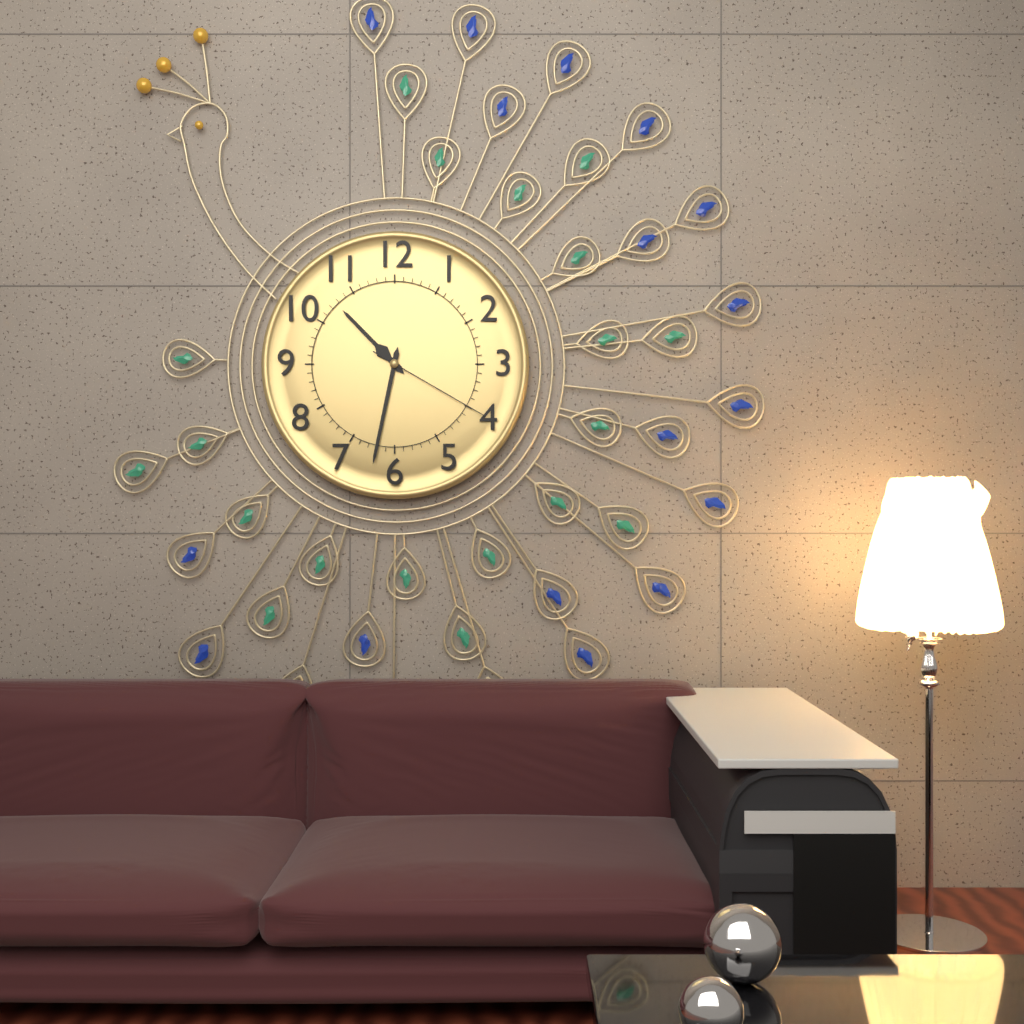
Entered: 10 h 32 min 20 s
